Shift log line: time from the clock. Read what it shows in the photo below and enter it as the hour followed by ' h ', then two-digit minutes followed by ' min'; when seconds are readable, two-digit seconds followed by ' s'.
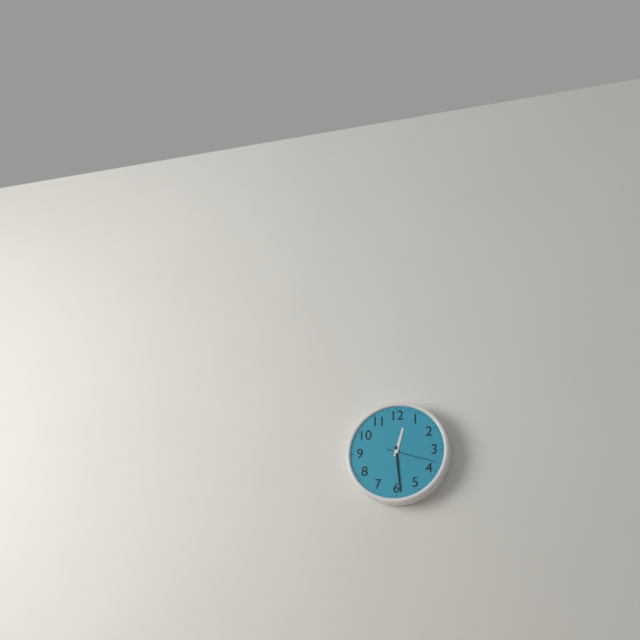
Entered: 12 h 29 min 18 s
